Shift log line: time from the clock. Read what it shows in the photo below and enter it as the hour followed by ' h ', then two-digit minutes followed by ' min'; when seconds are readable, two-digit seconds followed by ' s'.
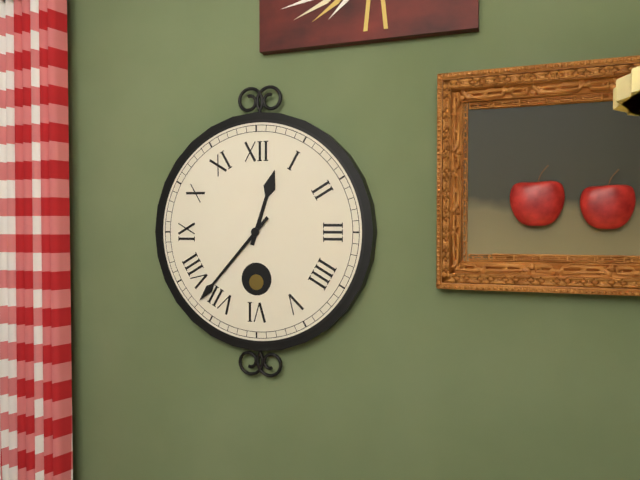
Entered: 12 h 37 min
